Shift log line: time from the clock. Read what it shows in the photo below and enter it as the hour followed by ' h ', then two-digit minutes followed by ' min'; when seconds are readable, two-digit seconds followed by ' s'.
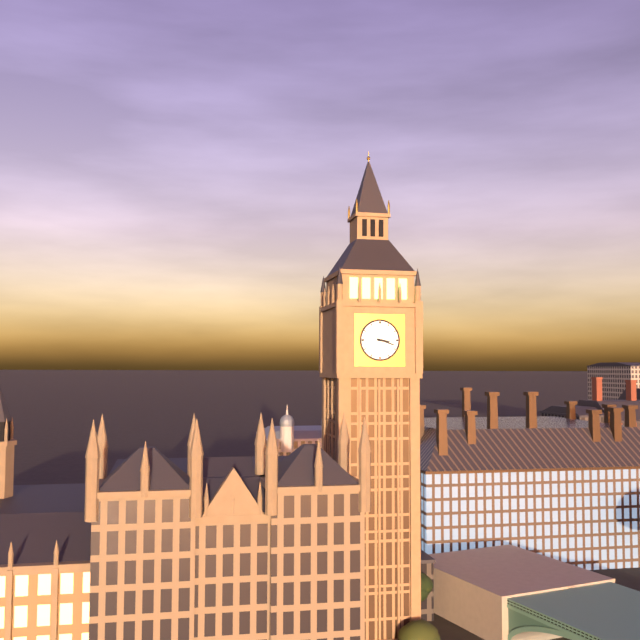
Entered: 3 h 18 min
